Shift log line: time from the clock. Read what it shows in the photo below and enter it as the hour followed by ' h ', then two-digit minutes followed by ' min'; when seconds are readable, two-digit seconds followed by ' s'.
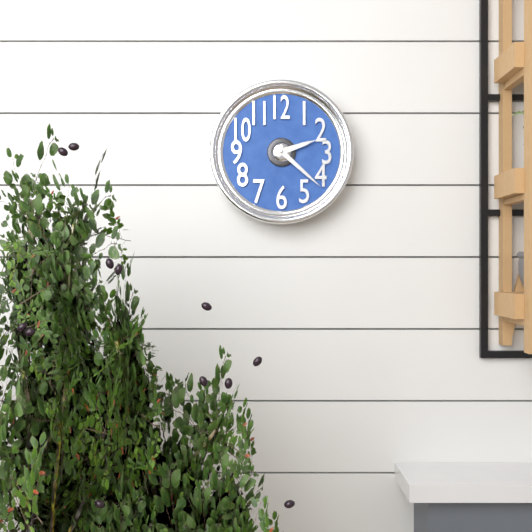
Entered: 2 h 22 min
